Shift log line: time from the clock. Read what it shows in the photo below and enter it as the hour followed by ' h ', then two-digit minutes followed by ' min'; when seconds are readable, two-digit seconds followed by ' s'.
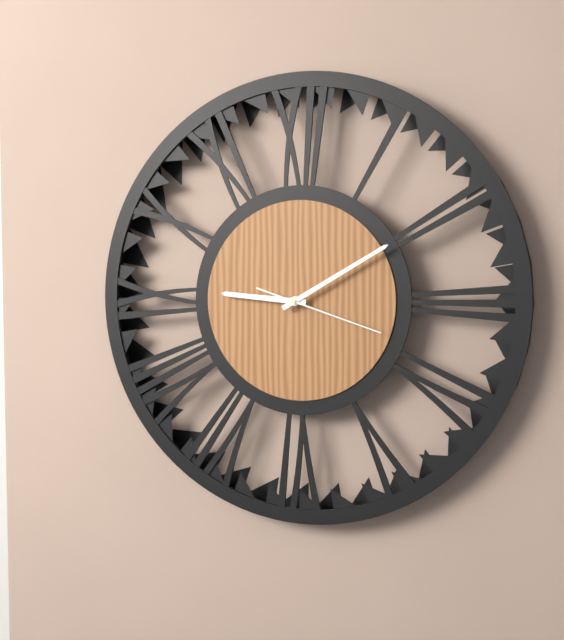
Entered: 9 h 10 min 18 s
